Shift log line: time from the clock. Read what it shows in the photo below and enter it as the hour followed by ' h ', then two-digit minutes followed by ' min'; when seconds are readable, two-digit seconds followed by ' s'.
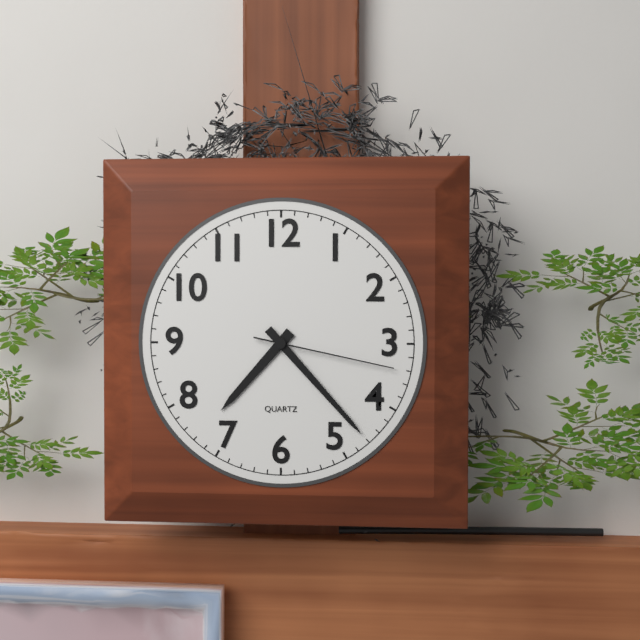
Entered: 7 h 23 min 17 s
